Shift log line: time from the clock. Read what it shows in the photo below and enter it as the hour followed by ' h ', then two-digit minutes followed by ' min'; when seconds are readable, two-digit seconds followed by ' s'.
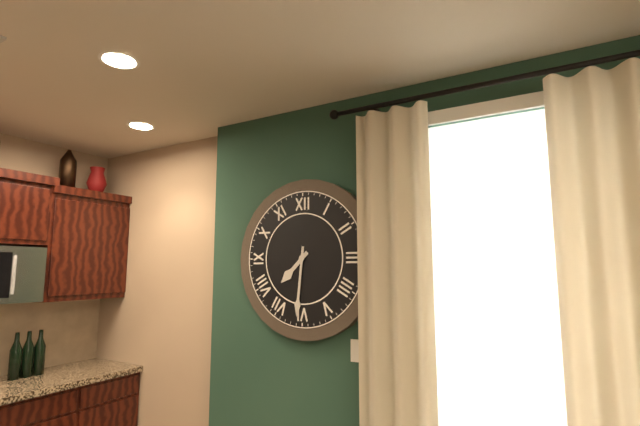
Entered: 7 h 31 min
